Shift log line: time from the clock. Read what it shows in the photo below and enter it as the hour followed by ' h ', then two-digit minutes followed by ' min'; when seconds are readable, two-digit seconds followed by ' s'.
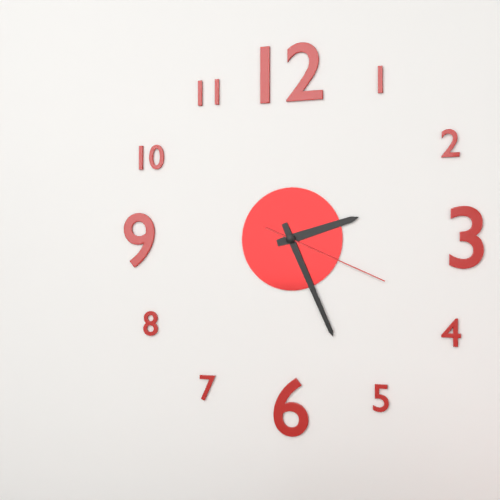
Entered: 2 h 26 min 19 s
